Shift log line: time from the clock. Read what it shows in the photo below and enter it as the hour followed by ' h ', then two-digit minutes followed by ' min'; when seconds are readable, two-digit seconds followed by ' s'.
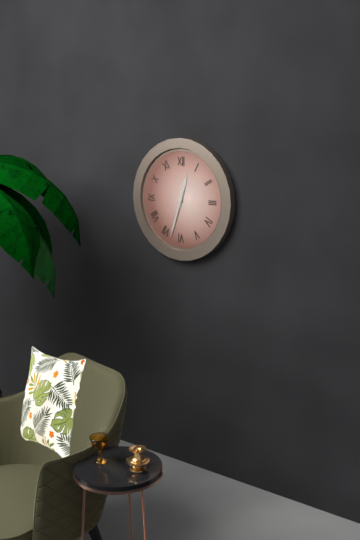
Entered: 12 h 33 min
